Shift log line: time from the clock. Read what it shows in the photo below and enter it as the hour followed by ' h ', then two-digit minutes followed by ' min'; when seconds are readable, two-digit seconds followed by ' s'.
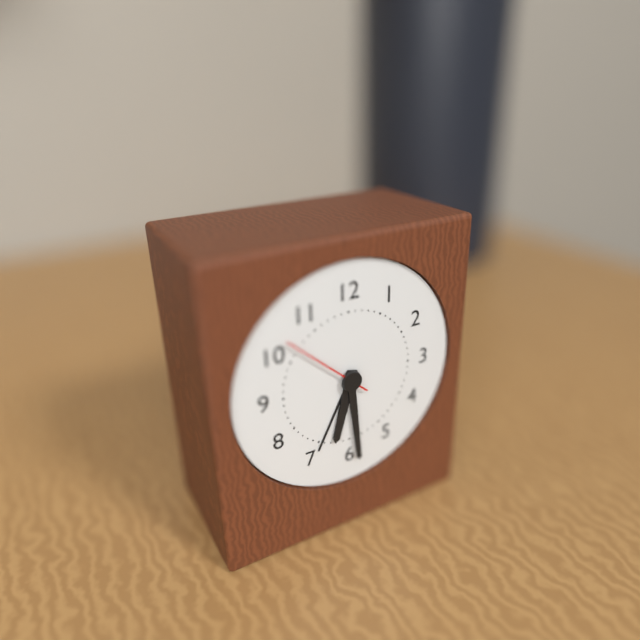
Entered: 6 h 29 min 52 s
